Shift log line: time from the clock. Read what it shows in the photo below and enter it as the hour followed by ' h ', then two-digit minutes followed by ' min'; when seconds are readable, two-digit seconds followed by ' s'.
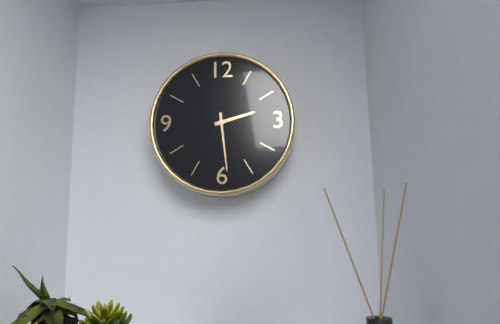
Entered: 2 h 29 min
